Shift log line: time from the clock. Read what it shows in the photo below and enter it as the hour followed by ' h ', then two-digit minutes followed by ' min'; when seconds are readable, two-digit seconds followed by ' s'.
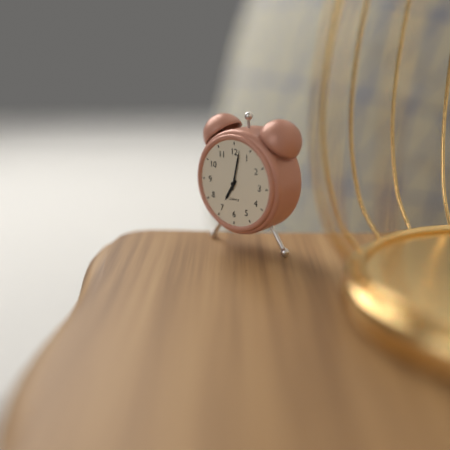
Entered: 7 h 02 min
